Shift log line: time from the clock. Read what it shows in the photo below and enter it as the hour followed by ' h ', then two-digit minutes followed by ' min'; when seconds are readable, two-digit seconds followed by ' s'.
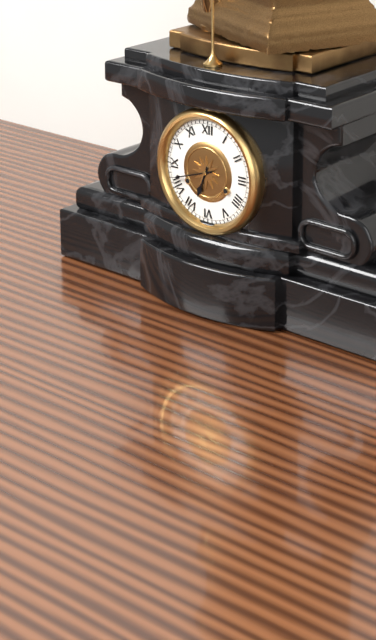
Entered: 6 h 42 min
